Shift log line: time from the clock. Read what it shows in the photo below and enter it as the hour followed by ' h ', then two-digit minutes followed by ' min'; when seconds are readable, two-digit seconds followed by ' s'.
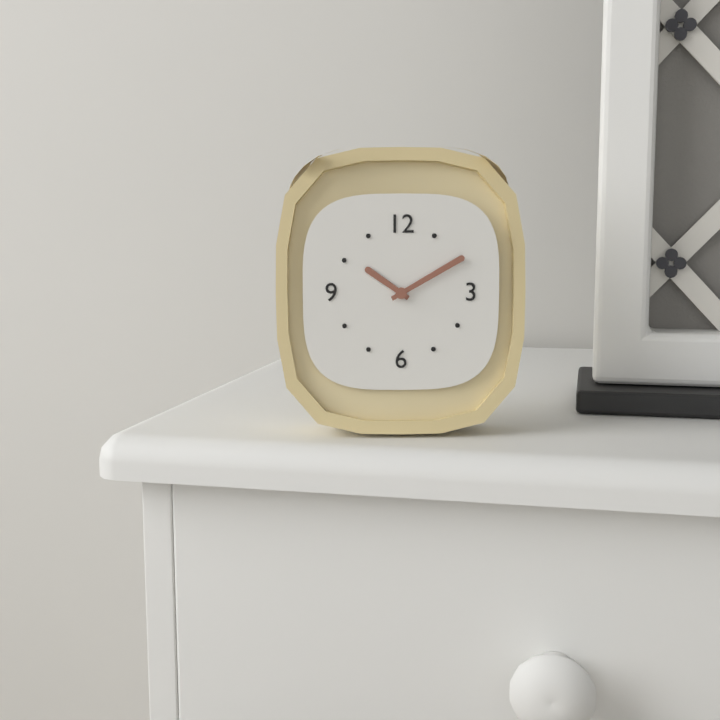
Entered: 10 h 10 min
